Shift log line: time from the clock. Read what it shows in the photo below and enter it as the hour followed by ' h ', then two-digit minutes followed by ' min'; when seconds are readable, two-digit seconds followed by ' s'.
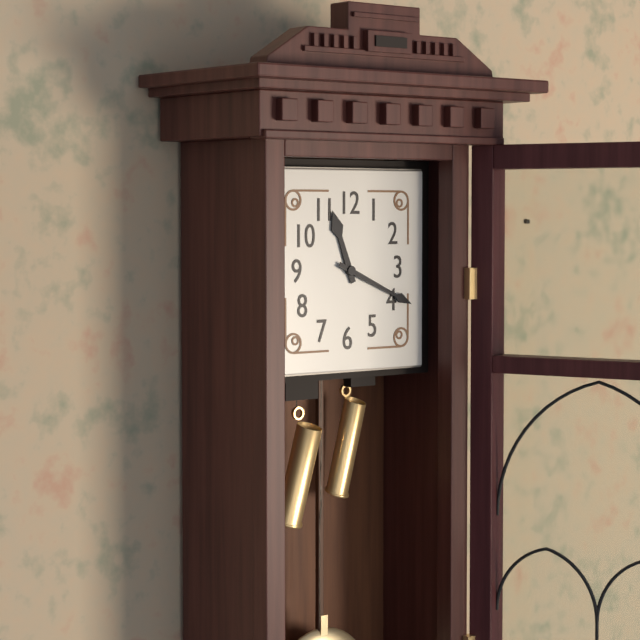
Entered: 11 h 19 min
